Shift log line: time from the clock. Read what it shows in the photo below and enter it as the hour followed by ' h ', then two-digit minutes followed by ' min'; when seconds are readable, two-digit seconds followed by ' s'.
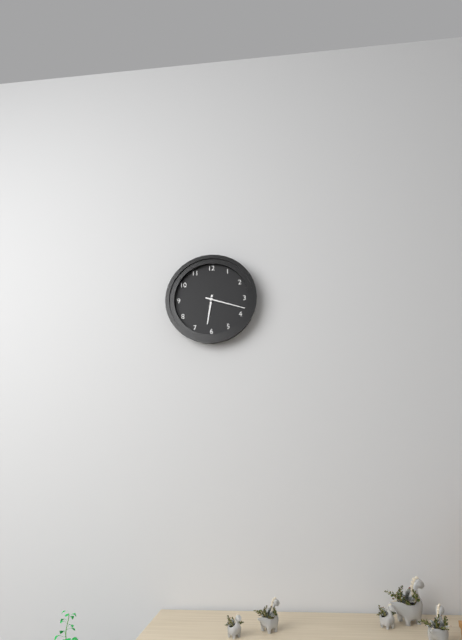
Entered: 6 h 18 min
